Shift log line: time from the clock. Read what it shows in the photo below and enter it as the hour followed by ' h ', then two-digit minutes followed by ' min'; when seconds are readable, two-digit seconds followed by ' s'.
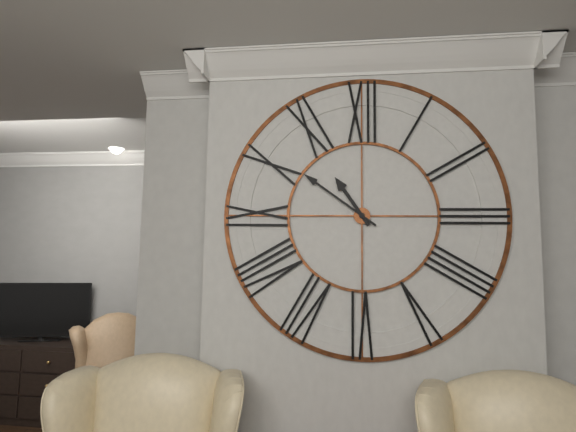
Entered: 10 h 51 min
